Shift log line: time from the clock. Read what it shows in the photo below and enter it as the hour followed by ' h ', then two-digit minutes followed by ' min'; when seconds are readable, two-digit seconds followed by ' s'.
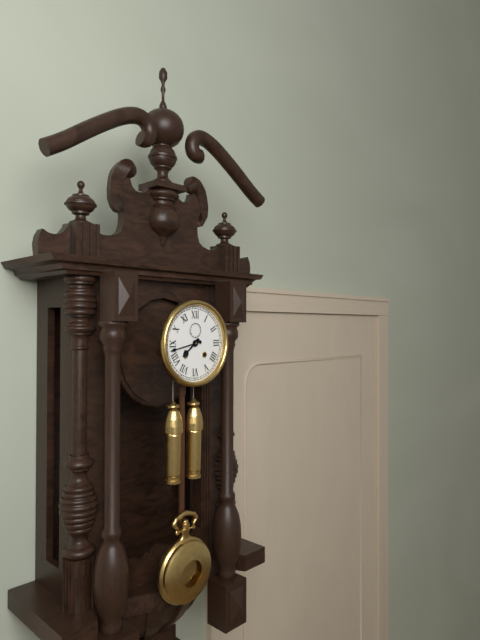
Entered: 7 h 43 min
